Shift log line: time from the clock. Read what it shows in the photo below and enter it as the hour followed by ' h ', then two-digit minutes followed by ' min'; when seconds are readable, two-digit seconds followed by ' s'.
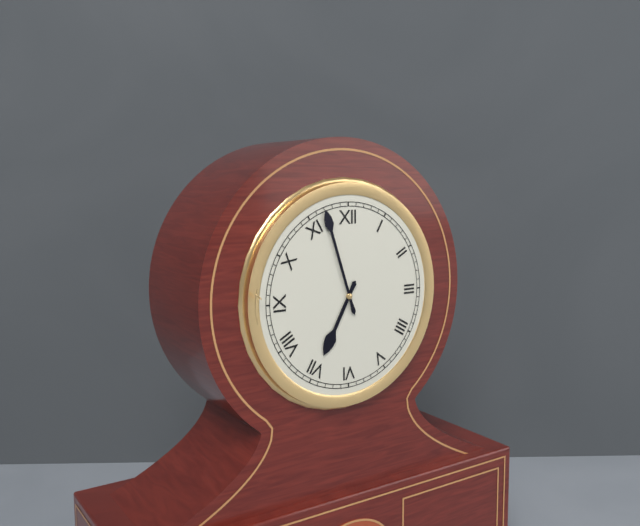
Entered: 6 h 57 min
